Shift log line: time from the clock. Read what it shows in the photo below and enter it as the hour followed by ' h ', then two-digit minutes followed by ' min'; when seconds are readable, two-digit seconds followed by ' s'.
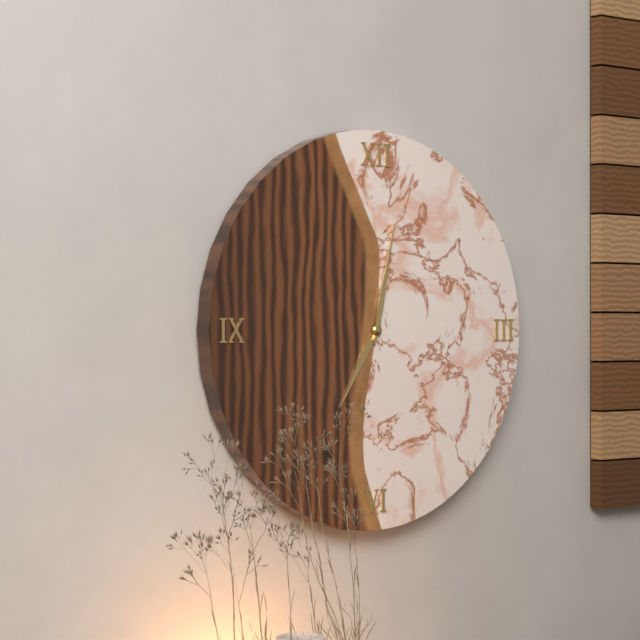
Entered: 7 h 02 min
